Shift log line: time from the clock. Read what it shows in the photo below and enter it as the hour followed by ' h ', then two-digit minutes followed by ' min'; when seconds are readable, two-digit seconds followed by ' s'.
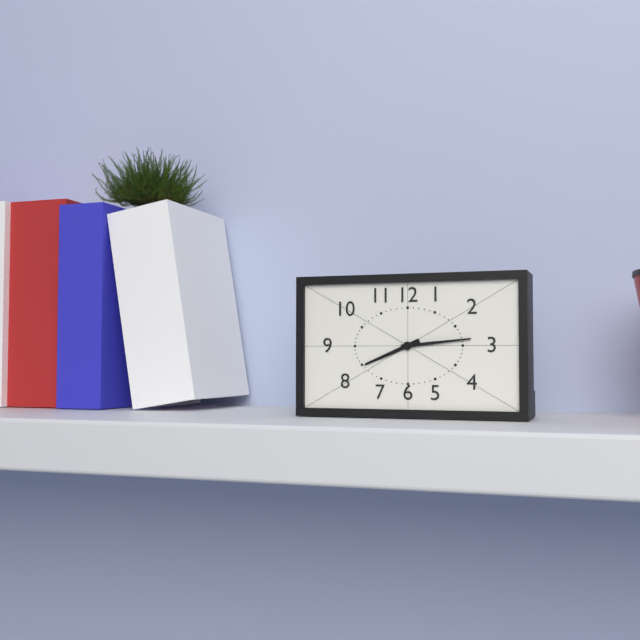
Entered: 8 h 14 min
